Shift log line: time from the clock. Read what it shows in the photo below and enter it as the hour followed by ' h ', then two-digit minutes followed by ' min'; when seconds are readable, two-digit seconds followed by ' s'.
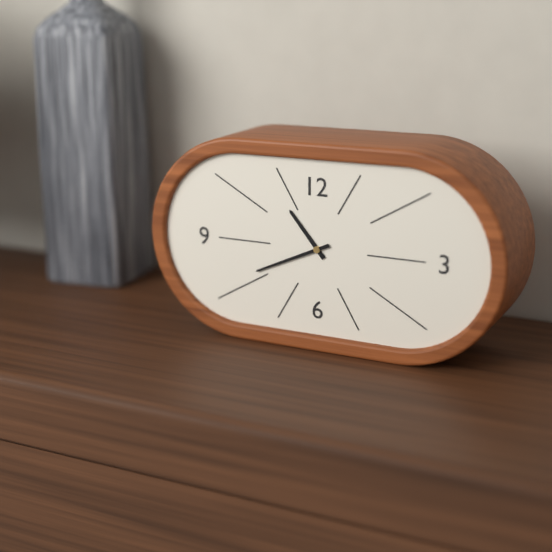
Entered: 10 h 41 min
